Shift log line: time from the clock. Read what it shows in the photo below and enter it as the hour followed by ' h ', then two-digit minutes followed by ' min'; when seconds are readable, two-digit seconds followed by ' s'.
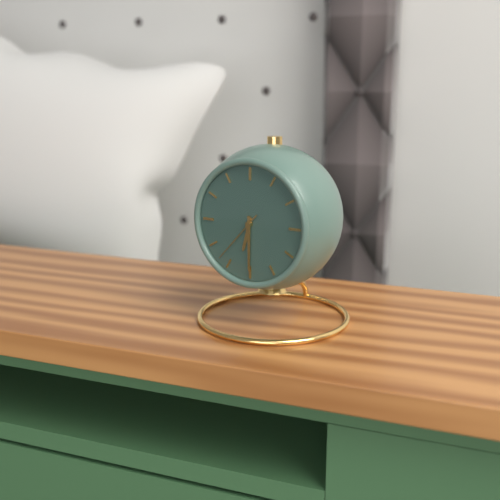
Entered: 6 h 30 min 37 s
